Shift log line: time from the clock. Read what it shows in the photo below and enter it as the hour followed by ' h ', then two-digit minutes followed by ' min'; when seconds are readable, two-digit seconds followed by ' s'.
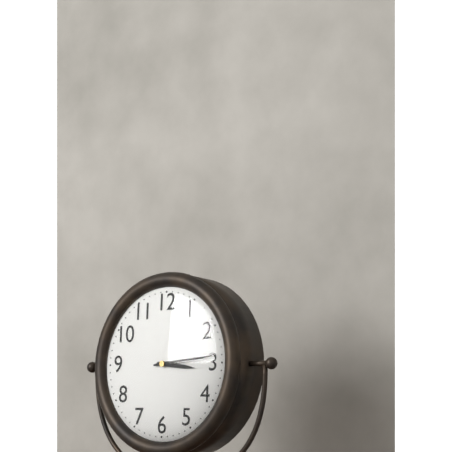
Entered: 3 h 14 min
